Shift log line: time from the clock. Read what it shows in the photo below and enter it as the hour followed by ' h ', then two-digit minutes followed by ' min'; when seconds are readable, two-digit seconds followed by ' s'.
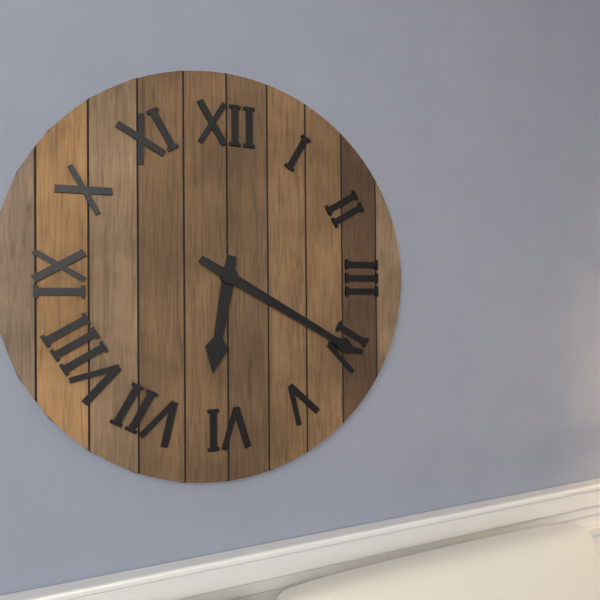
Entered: 6 h 20 min
